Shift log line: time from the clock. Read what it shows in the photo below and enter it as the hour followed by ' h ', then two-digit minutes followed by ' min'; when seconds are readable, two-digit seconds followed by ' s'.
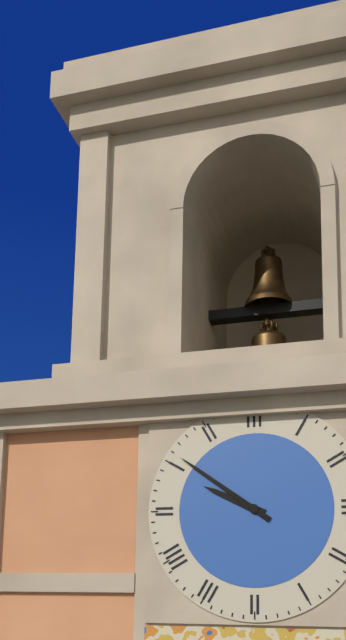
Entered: 9 h 51 min
